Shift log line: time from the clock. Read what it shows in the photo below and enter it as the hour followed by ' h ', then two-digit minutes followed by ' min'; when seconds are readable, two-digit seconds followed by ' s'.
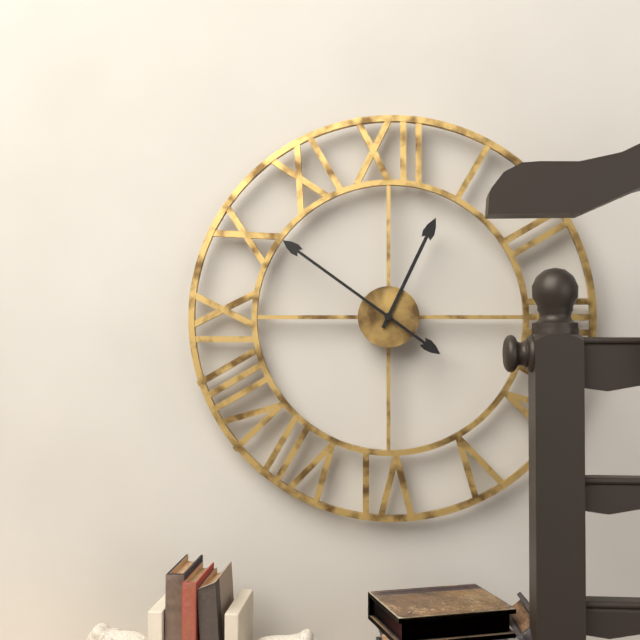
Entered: 12 h 51 min
